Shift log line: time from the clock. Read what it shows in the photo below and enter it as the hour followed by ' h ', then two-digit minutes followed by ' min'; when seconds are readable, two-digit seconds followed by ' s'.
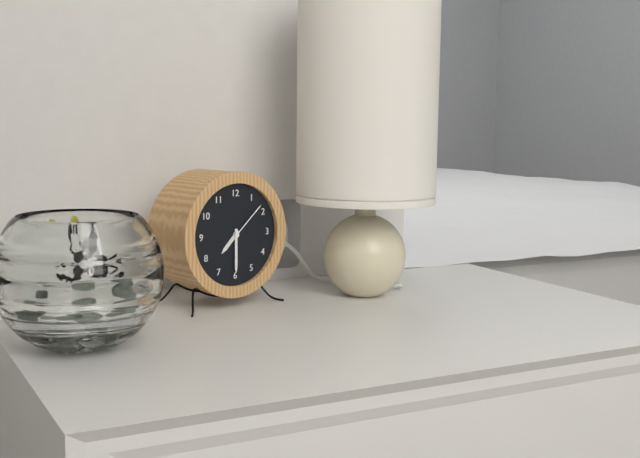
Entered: 7 h 30 min
